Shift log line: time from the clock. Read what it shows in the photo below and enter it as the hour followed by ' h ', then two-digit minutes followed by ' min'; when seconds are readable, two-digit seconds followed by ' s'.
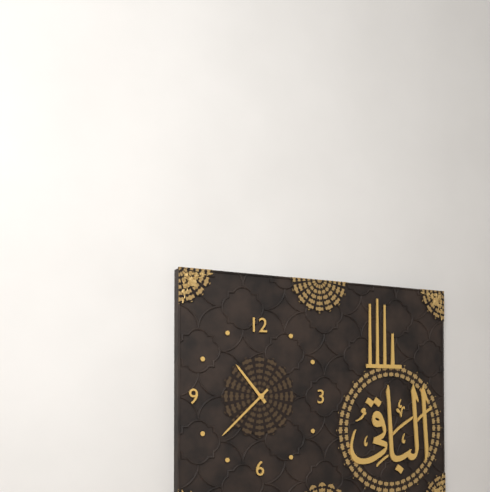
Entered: 10 h 38 min
